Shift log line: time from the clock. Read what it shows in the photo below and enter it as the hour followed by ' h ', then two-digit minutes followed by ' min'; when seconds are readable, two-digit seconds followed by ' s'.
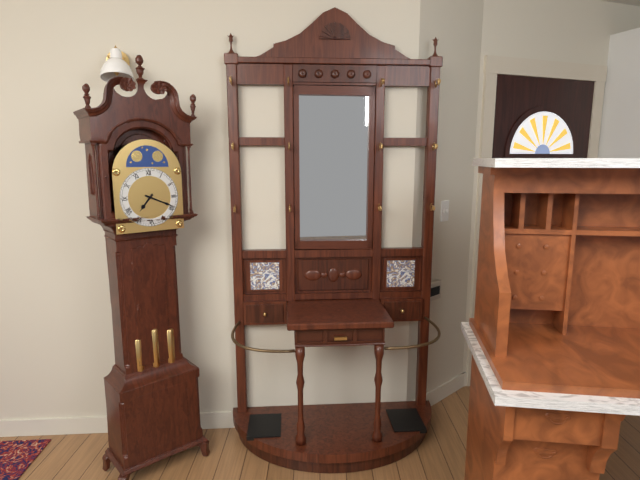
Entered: 7 h 19 min
